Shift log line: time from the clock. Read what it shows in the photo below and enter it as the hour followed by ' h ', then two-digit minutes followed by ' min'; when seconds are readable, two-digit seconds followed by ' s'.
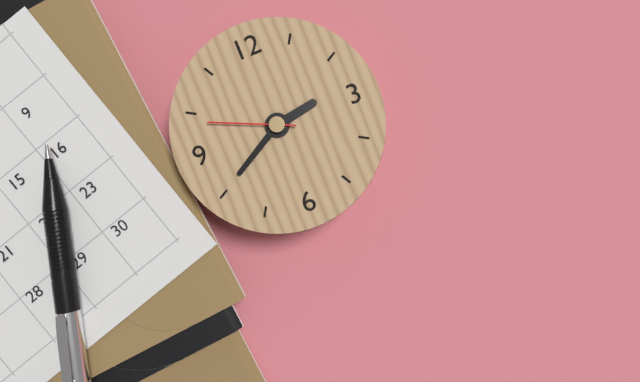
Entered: 2 h 40 min 49 s
